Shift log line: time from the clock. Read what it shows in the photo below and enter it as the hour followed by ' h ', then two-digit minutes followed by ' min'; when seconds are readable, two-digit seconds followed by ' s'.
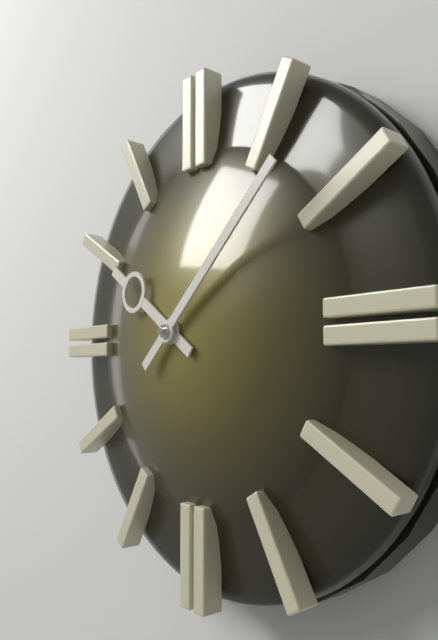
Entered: 10 h 08 min
